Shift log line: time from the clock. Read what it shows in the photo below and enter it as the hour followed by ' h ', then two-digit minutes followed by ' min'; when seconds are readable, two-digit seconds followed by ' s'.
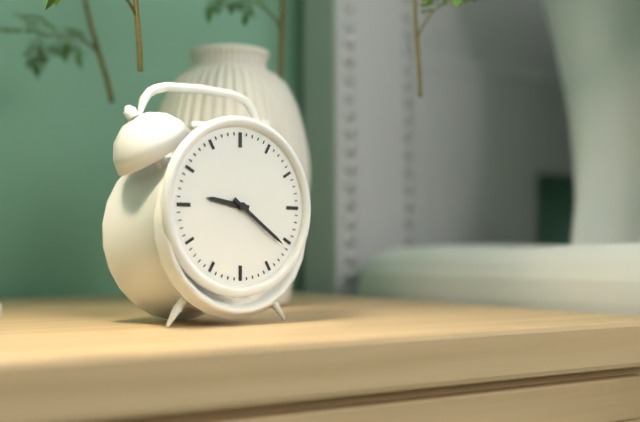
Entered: 9 h 21 min
